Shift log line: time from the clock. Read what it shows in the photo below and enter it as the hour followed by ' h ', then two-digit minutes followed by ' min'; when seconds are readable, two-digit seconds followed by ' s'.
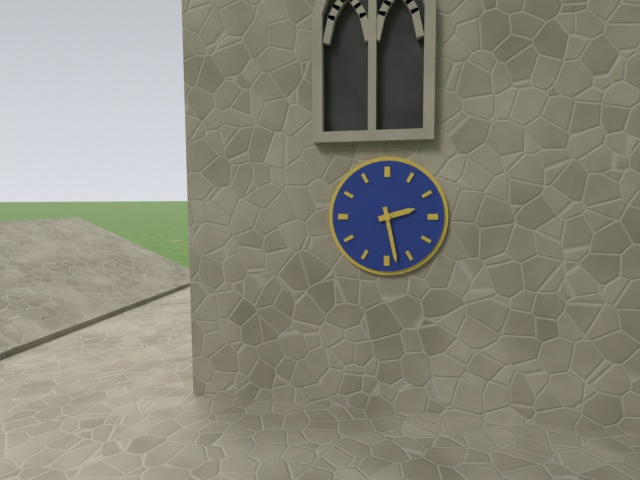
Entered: 2 h 28 min
